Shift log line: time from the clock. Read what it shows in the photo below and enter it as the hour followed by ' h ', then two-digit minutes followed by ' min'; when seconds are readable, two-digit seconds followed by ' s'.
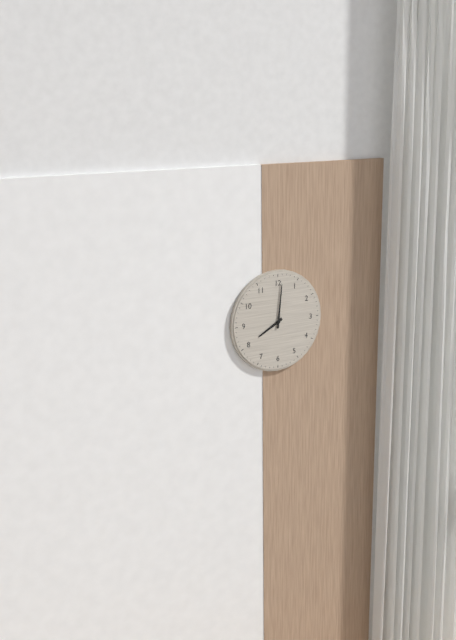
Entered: 8 h 01 min
